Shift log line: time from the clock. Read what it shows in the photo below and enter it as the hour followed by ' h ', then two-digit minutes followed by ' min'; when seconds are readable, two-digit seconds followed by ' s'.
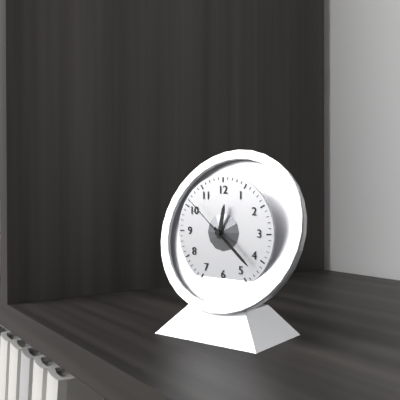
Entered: 12 h 22 min 52 s
